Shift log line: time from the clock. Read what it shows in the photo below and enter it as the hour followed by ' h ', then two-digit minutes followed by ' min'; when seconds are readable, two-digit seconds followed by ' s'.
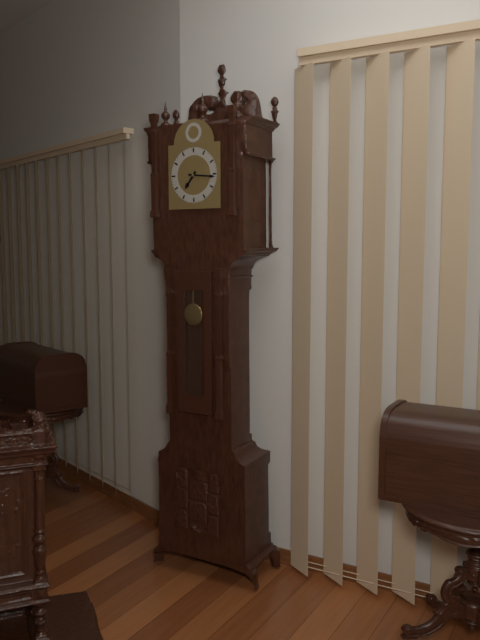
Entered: 7 h 16 min
